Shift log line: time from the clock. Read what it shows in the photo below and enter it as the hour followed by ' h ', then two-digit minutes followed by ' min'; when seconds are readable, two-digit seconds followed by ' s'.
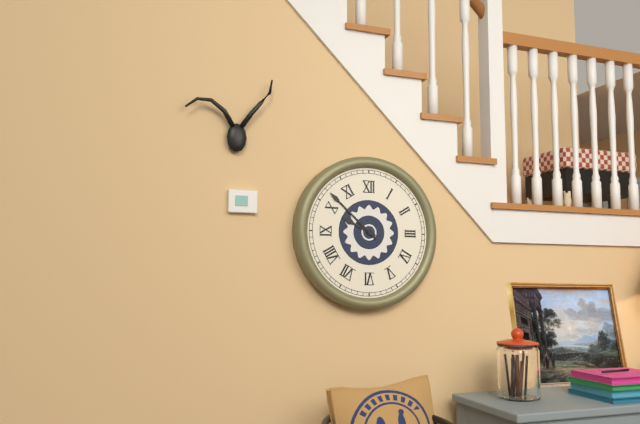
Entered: 9 h 52 min
